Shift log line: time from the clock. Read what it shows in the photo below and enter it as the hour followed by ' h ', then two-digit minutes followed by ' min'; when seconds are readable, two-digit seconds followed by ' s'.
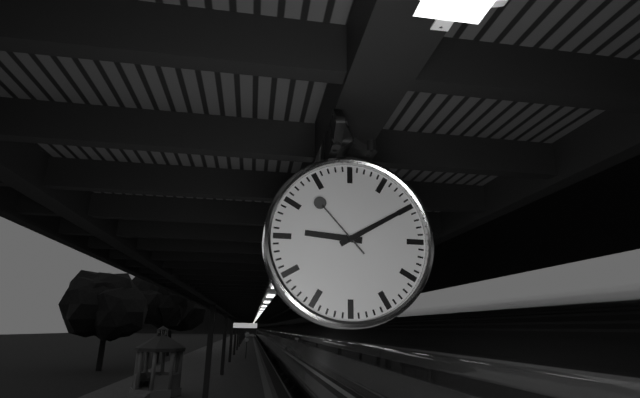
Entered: 9 h 10 min 53 s
